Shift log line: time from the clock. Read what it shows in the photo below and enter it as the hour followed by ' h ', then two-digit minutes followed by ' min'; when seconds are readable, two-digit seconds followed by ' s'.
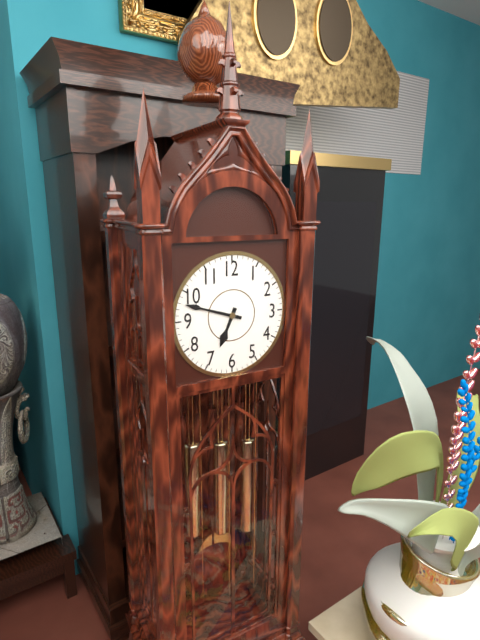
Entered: 6 h 48 min
